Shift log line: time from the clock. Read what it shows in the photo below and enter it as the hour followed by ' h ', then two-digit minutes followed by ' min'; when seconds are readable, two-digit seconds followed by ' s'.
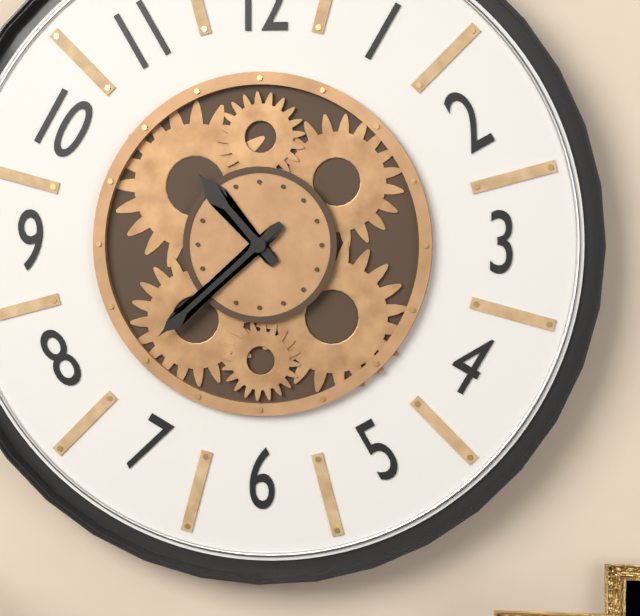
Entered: 10 h 38 min
